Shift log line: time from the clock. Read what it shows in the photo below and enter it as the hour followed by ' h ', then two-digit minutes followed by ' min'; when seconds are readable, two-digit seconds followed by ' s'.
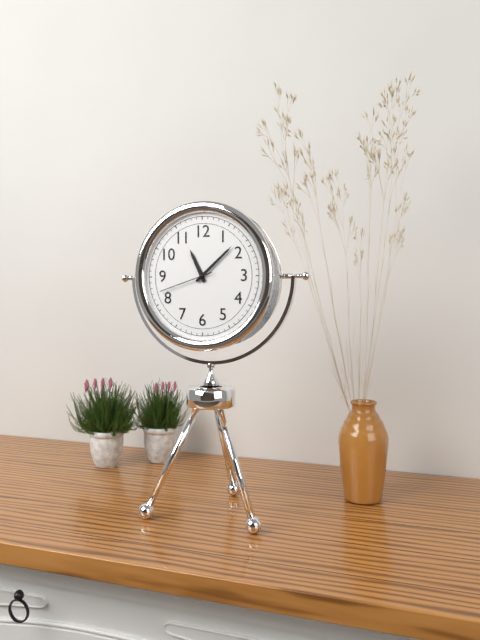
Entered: 11 h 08 min 42 s
